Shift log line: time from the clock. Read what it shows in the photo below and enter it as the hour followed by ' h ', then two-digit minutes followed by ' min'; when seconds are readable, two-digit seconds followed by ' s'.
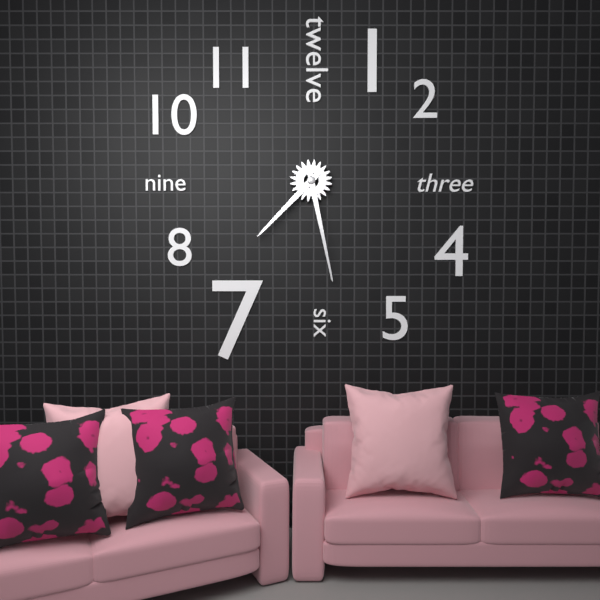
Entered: 7 h 28 min
